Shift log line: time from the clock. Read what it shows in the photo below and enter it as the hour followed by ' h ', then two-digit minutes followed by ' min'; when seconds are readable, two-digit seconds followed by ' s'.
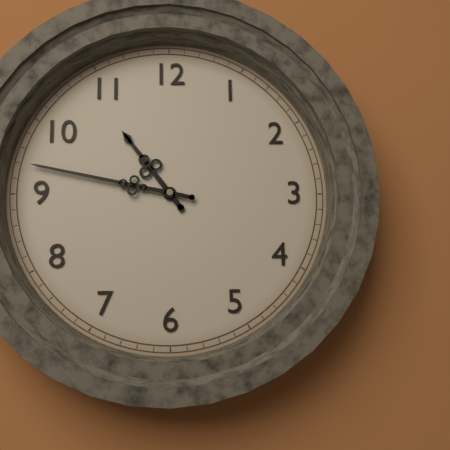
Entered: 10 h 47 min
